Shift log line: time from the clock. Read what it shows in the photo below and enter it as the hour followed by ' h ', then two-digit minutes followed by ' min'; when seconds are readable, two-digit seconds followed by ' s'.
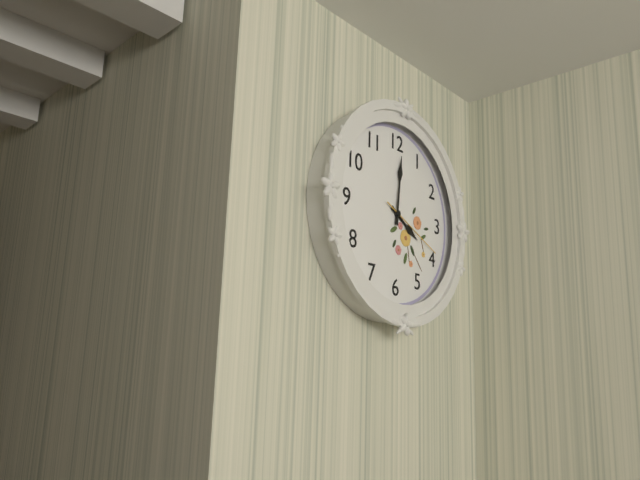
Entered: 4 h 01 min 19 s
